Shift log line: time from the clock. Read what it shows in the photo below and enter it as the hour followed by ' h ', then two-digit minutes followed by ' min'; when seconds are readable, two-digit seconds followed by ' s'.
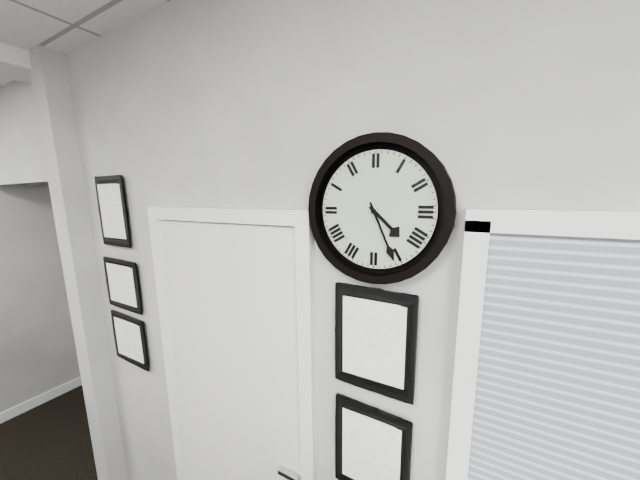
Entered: 4 h 26 min
